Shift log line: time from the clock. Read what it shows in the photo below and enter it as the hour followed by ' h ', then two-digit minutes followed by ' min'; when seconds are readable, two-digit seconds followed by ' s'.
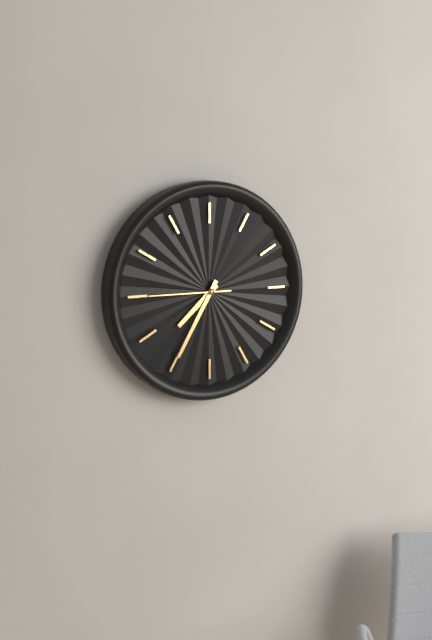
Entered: 7 h 35 min 45 s
